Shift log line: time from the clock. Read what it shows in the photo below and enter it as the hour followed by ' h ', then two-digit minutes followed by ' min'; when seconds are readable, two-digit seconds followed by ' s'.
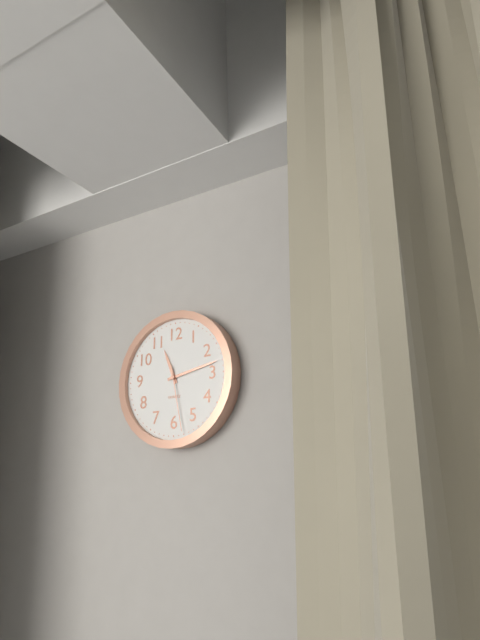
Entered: 11 h 13 min 28 s
